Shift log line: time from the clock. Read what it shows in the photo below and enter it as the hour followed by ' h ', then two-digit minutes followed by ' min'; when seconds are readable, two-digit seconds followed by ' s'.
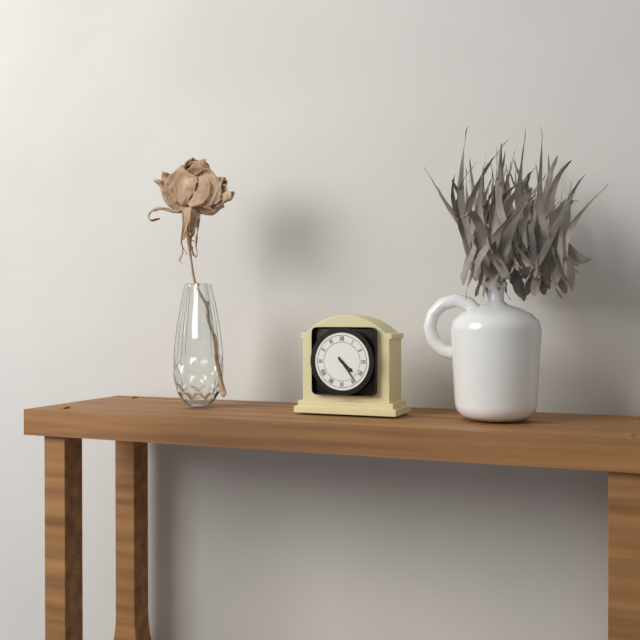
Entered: 4 h 24 min
